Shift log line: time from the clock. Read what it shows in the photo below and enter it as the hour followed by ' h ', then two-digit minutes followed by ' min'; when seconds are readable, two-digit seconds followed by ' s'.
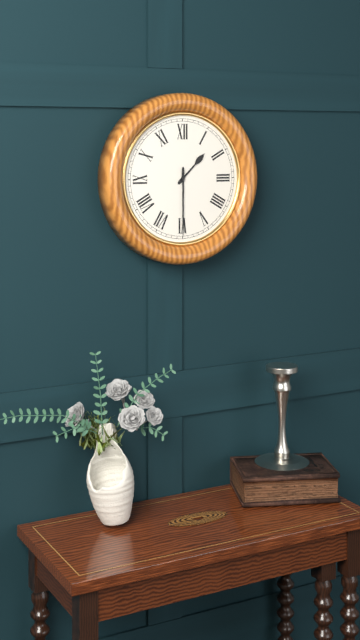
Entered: 1 h 30 min
